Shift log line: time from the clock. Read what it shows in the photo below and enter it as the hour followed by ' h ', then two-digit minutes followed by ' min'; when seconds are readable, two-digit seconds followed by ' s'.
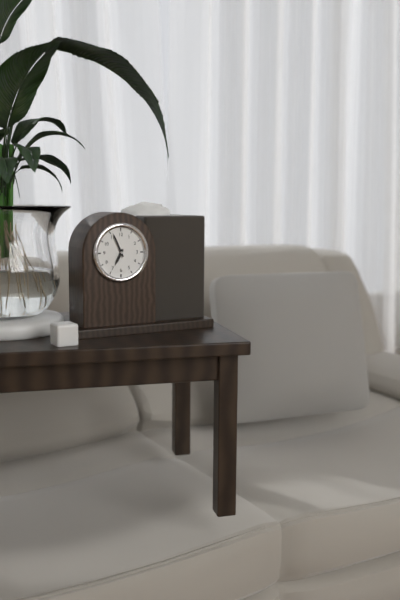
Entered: 6 h 56 min
